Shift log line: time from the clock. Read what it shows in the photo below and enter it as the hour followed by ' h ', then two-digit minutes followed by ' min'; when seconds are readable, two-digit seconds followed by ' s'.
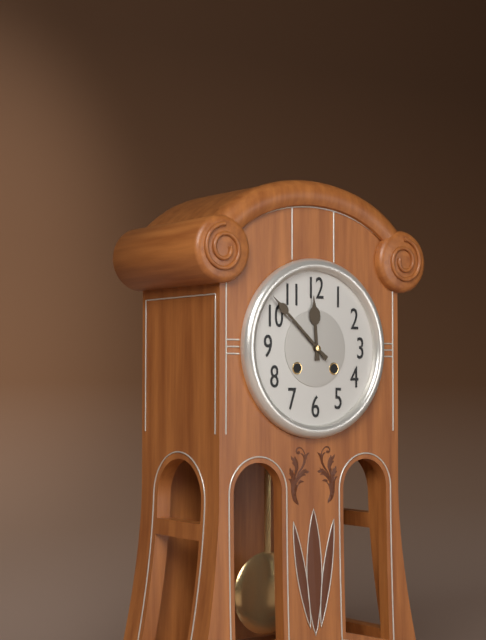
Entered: 11 h 52 min
